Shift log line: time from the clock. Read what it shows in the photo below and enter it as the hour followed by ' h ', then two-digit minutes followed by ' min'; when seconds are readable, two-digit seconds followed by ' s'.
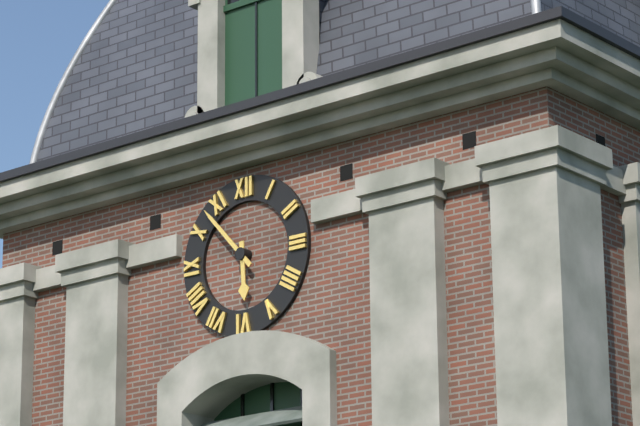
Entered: 5 h 53 min
